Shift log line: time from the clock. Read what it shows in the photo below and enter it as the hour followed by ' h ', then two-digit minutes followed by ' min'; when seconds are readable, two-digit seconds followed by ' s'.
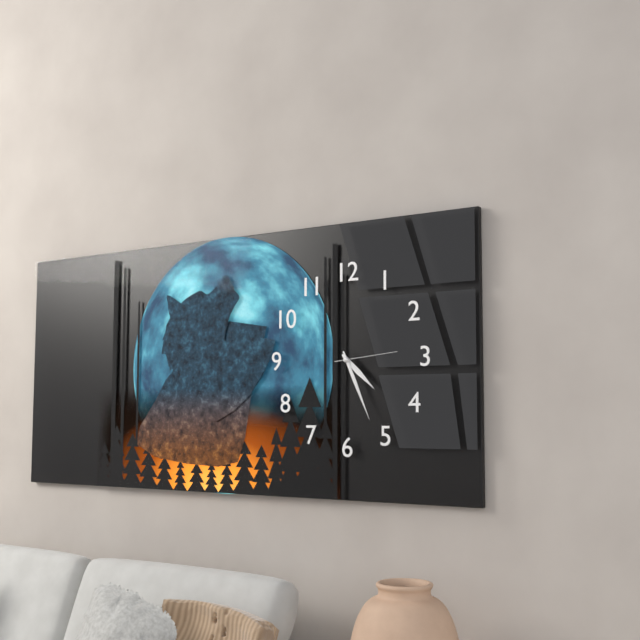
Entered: 4 h 26 min 14 s
